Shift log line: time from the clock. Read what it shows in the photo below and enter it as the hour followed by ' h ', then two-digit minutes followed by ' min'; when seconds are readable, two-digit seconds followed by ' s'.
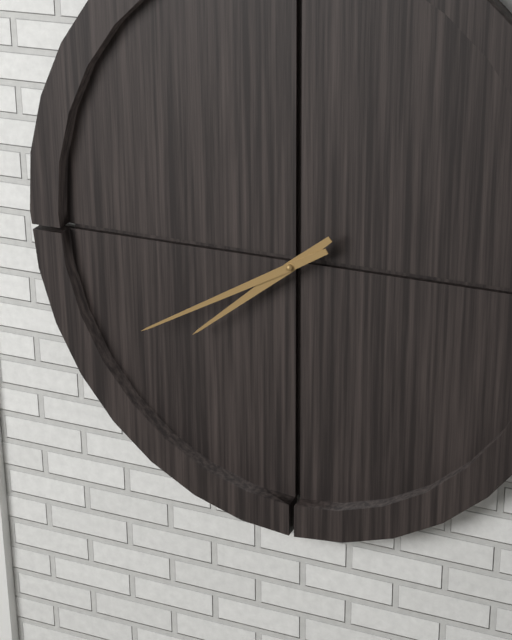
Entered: 7 h 40 min
